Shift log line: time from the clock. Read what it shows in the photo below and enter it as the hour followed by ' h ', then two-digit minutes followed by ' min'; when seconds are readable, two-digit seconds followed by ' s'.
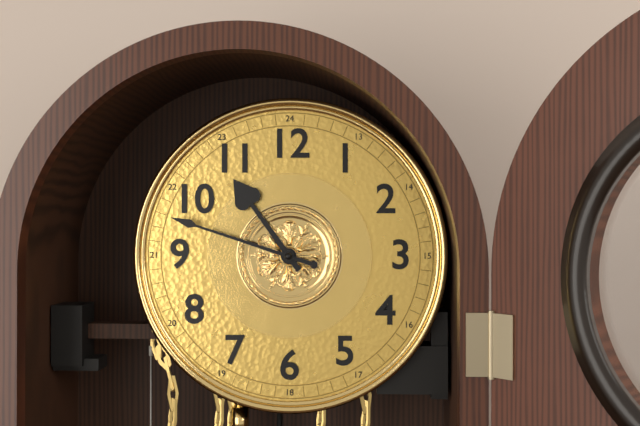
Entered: 10 h 48 min
